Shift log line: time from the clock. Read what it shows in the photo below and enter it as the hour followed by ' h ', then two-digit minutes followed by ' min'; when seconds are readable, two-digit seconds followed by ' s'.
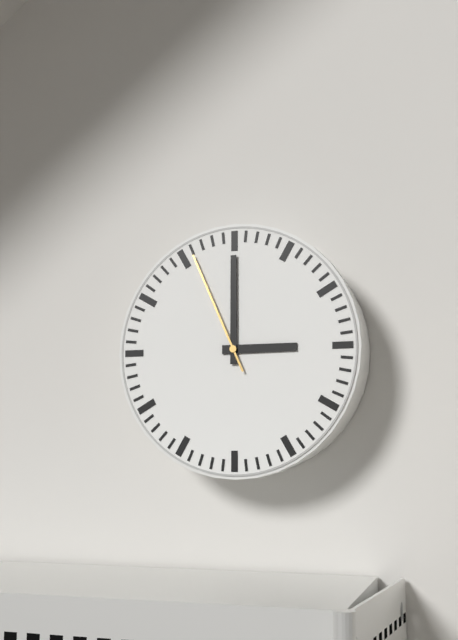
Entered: 3 h 00 min 56 s
